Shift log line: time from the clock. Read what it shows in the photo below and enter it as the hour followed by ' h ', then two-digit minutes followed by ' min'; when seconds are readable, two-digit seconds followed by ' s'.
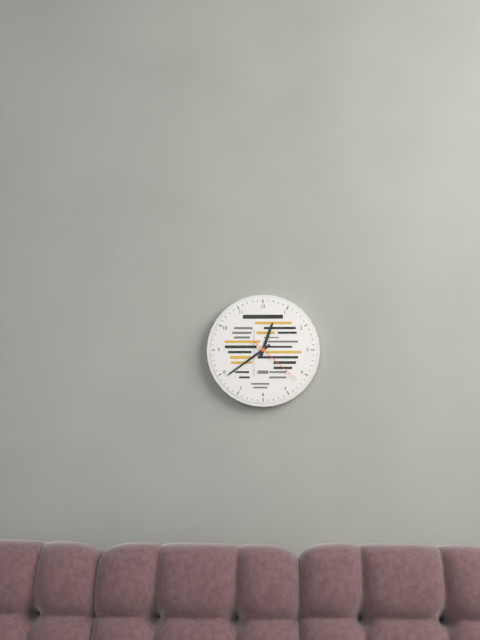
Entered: 12 h 39 min 22 s
